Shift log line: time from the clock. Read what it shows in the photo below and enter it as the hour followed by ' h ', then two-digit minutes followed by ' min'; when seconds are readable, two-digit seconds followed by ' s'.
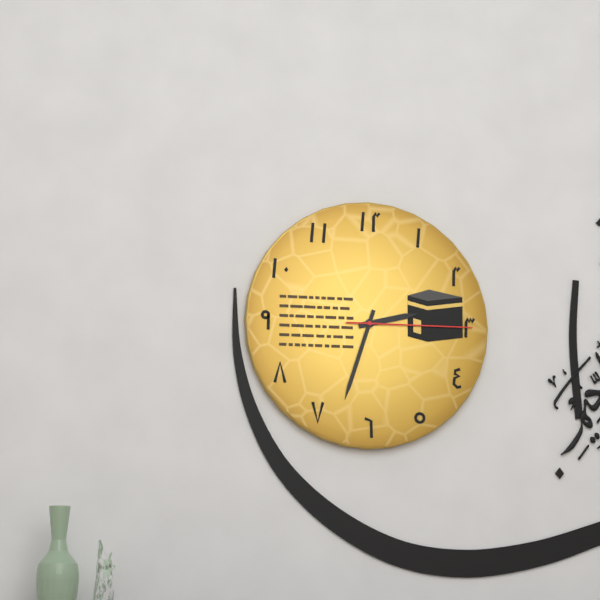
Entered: 2 h 33 min 15 s
